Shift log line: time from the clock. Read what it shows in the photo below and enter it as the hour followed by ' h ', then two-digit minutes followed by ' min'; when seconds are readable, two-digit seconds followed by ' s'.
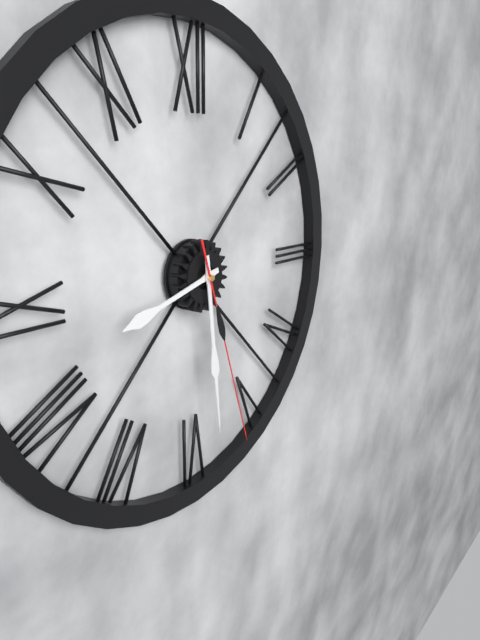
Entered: 8 h 29 min 27 s
